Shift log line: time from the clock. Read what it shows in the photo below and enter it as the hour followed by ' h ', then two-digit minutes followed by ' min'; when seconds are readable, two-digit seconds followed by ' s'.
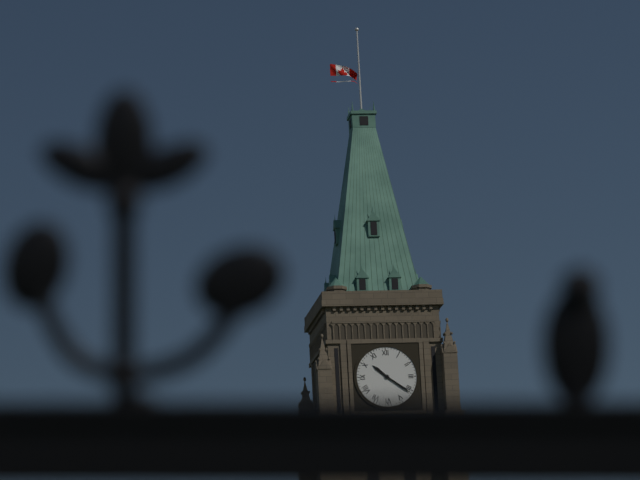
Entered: 10 h 21 min
